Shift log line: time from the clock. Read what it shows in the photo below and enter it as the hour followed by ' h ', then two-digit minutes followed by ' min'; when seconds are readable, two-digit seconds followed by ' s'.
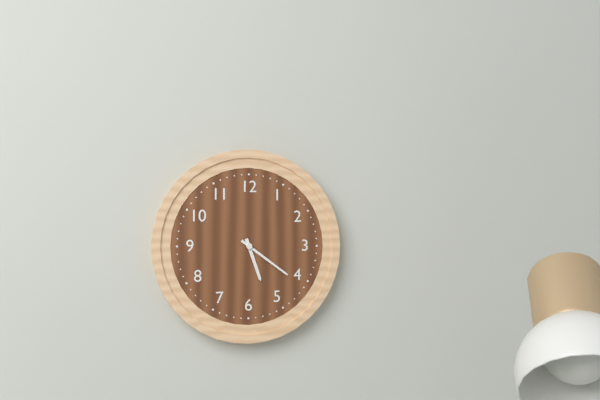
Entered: 5 h 21 min
